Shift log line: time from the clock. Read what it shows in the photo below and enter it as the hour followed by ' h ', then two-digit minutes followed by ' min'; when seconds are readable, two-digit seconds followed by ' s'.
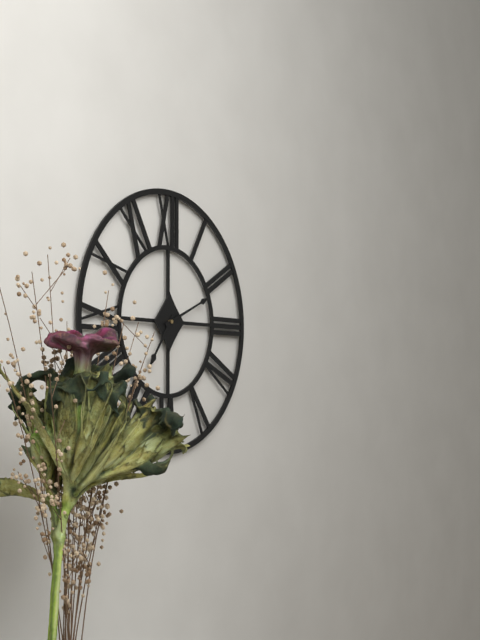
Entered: 7 h 11 min
